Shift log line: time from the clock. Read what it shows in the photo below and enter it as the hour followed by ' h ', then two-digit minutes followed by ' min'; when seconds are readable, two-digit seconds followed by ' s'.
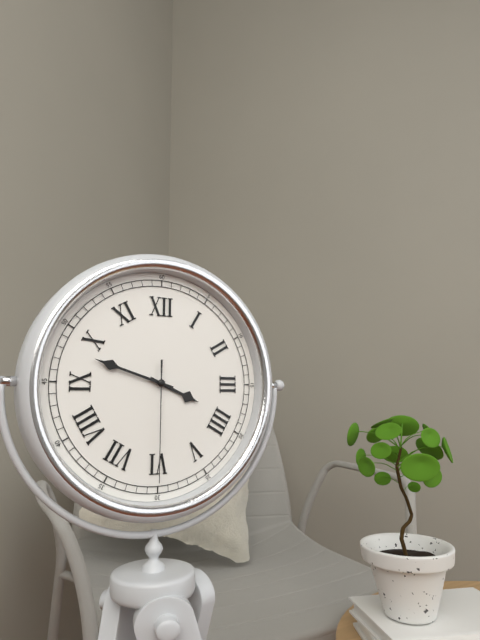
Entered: 3 h 48 min 30 s
